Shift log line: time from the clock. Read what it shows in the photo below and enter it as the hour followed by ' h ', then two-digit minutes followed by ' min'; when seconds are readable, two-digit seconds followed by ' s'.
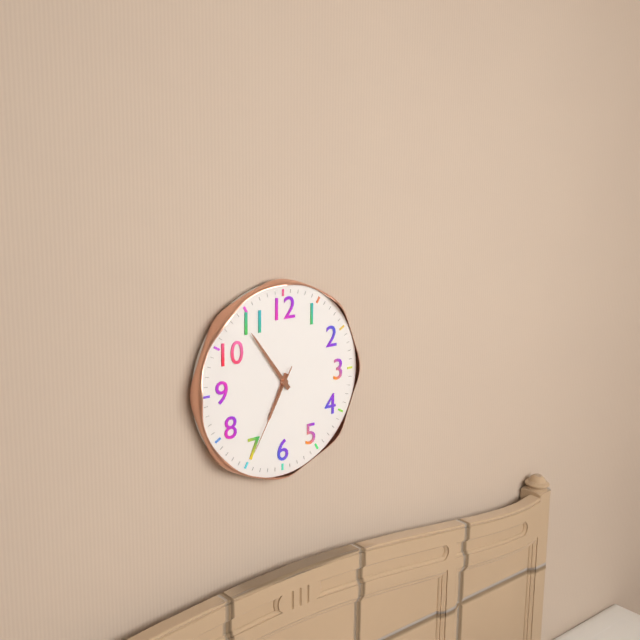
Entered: 6 h 54 min 35 s
